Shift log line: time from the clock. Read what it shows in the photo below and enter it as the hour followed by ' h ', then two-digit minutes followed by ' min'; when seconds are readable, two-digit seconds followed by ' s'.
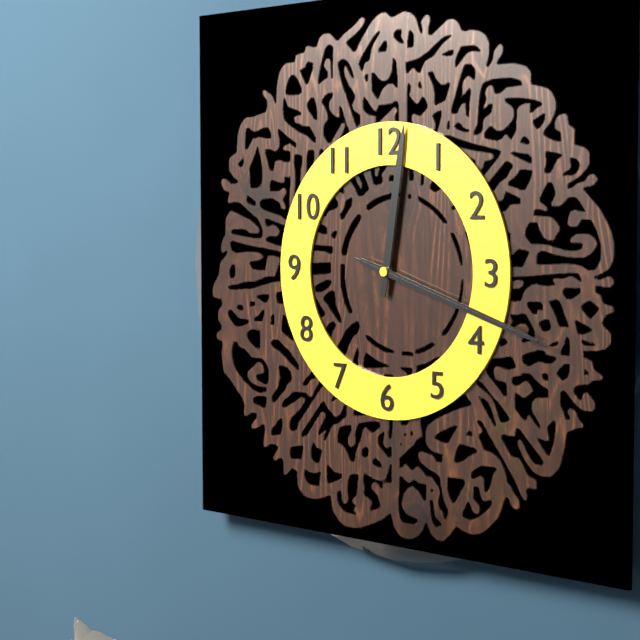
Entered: 12 h 18 min 18 s
